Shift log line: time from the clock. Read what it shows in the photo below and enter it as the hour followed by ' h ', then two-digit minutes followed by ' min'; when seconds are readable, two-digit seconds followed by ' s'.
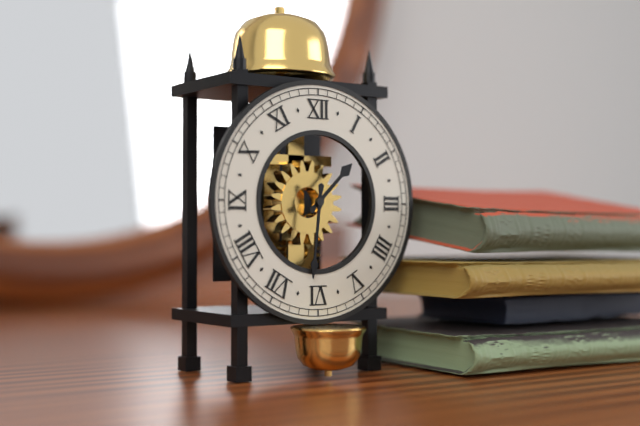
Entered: 1 h 31 min
